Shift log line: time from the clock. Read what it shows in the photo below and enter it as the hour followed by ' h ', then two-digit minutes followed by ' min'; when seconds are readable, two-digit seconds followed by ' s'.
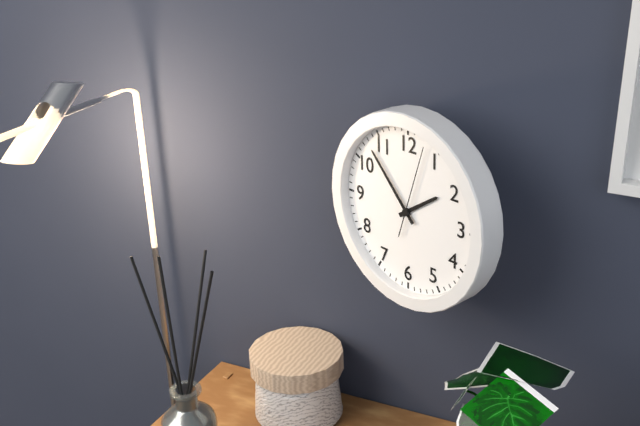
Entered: 1 h 53 min 03 s
